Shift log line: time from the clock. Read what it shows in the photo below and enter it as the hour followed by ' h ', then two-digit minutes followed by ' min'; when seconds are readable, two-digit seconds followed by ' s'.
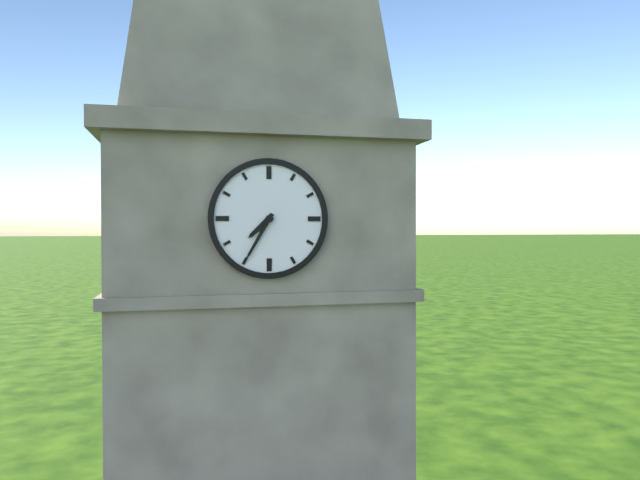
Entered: 7 h 35 min
